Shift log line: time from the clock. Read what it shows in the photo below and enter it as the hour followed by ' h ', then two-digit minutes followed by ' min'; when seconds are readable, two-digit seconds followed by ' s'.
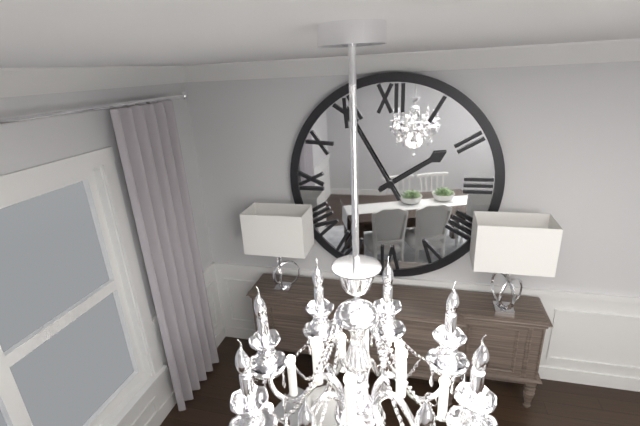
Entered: 1 h 55 min
